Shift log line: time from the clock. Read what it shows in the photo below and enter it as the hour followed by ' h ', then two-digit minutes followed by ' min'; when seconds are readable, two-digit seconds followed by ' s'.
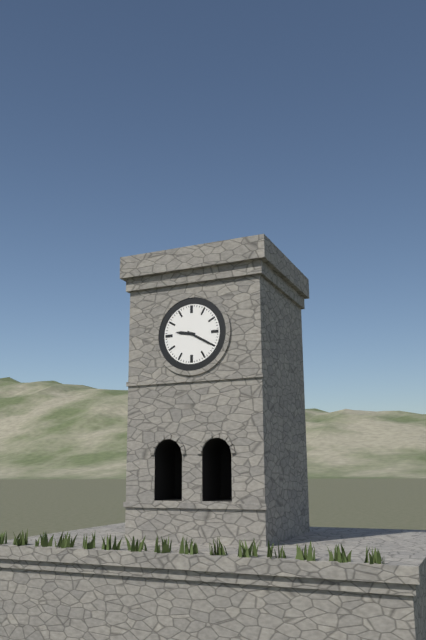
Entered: 9 h 20 min
